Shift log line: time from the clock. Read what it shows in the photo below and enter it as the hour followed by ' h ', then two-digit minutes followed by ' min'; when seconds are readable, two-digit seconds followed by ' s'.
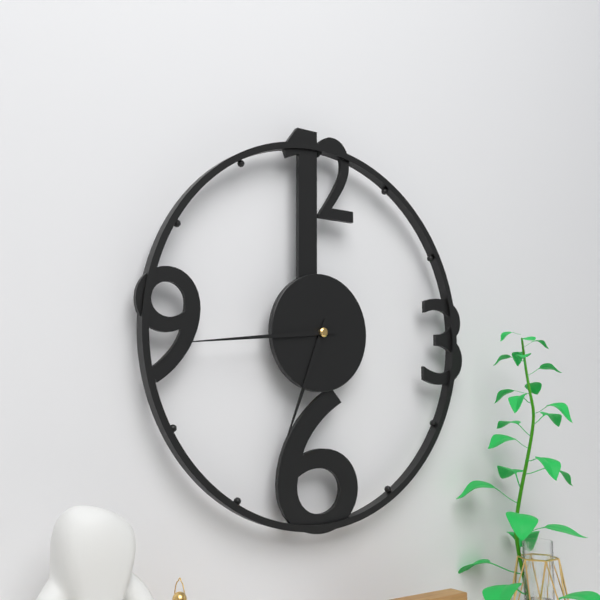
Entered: 6 h 44 min
